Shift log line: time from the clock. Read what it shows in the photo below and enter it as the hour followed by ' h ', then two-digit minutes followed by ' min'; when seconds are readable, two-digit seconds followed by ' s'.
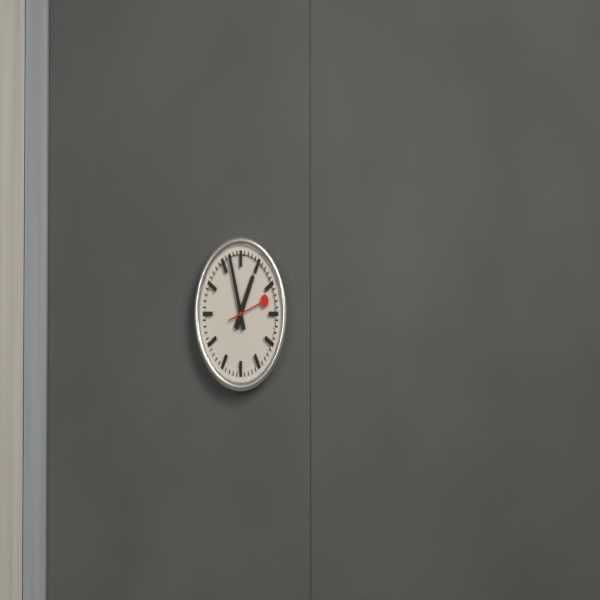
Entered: 12 h 57 min
